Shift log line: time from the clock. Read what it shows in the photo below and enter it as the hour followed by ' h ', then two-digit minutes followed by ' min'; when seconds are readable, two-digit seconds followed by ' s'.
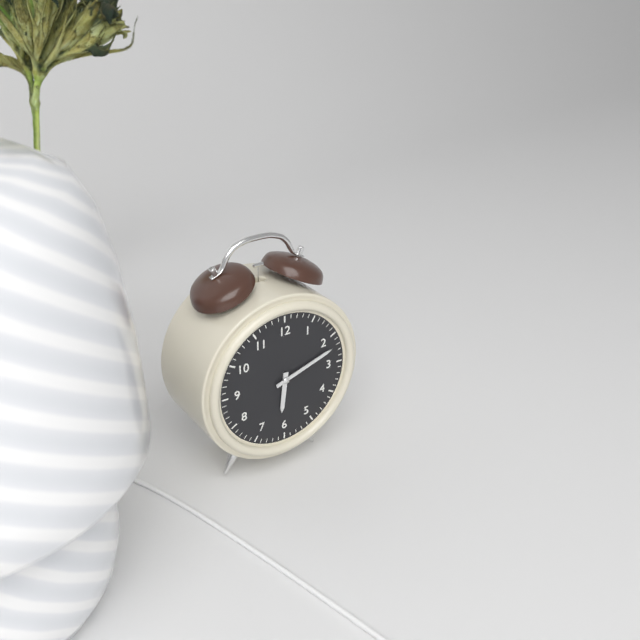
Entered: 6 h 12 min
